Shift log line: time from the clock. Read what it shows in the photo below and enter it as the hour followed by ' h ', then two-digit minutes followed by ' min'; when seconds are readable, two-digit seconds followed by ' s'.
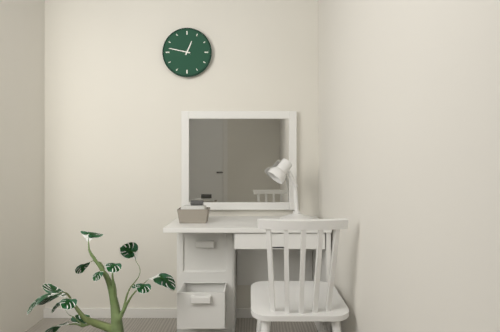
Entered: 12 h 47 min
